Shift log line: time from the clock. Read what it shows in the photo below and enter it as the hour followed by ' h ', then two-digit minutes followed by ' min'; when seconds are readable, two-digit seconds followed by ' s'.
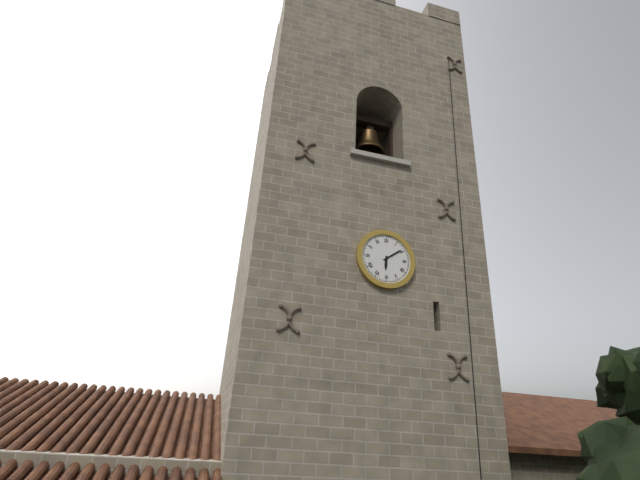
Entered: 6 h 09 min
